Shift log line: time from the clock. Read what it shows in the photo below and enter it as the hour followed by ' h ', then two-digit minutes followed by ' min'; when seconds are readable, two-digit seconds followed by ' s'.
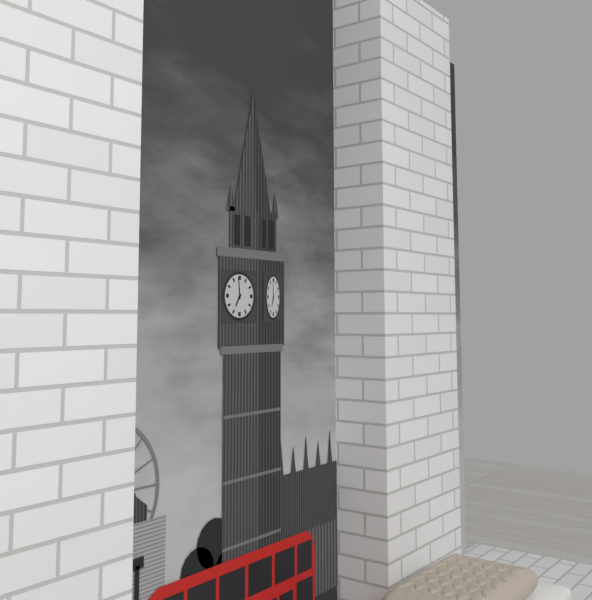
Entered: 6 h 59 min
